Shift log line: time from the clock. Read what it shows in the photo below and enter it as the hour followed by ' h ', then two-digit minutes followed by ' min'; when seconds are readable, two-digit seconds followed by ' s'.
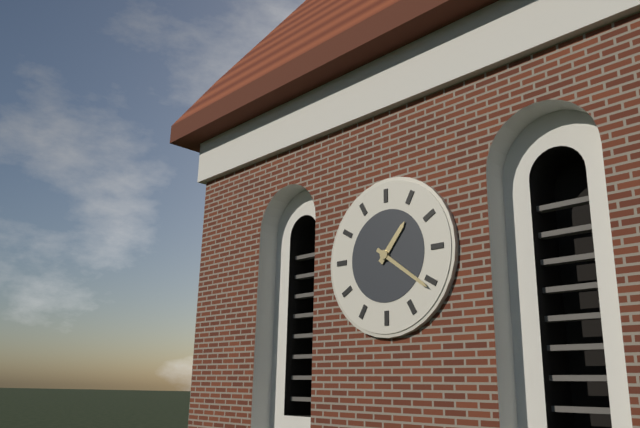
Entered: 1 h 21 min
